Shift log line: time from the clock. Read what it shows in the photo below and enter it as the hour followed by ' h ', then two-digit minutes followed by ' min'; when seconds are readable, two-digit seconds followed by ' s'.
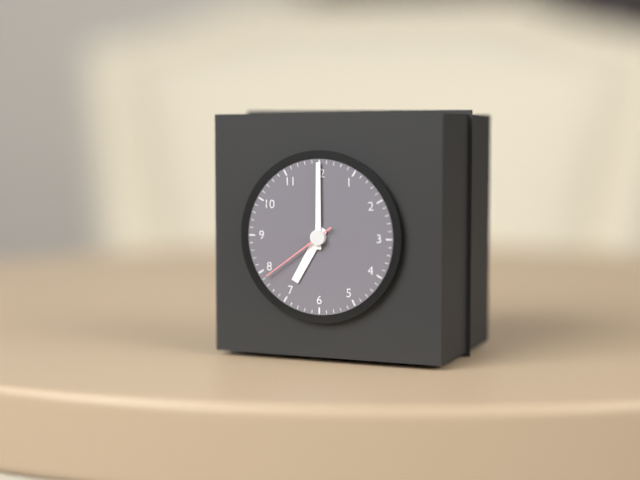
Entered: 7 h 00 min 39 s
